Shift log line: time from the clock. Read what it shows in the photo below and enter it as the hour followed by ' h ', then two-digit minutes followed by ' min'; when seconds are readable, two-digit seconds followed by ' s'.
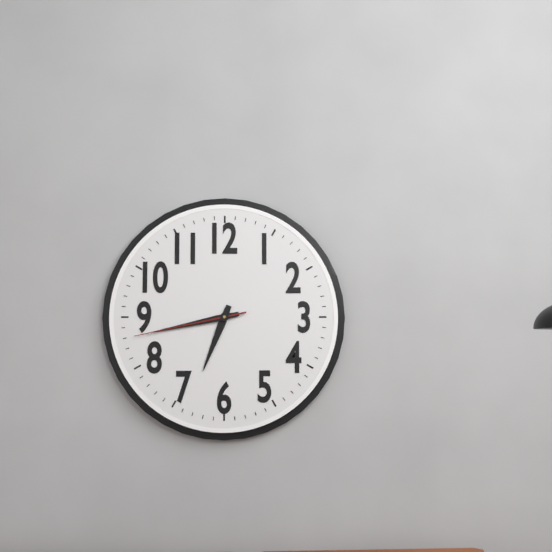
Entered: 6 h 43 min 43 s
